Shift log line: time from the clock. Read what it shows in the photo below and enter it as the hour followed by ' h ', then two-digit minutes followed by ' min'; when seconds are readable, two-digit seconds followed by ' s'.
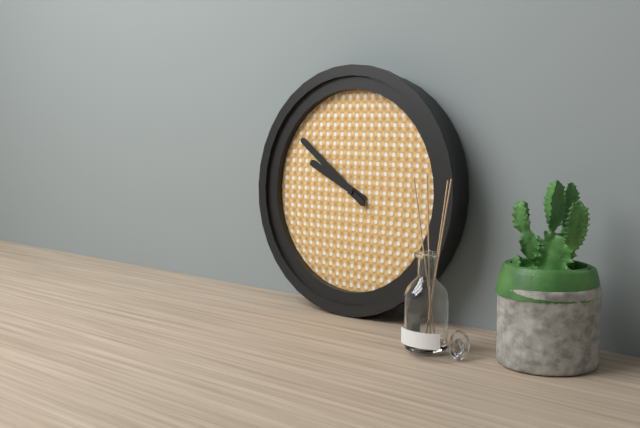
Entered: 9 h 51 min
